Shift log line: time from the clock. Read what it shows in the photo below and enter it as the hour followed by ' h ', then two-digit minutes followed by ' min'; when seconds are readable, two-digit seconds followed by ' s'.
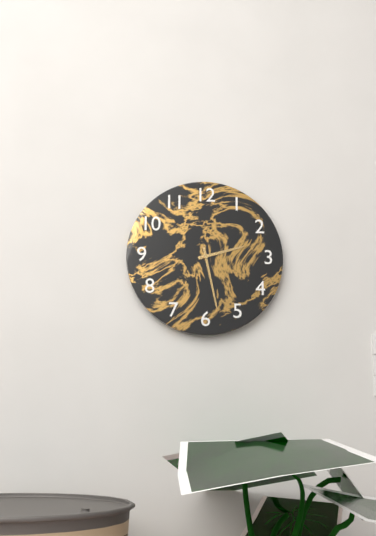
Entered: 2 h 28 min
